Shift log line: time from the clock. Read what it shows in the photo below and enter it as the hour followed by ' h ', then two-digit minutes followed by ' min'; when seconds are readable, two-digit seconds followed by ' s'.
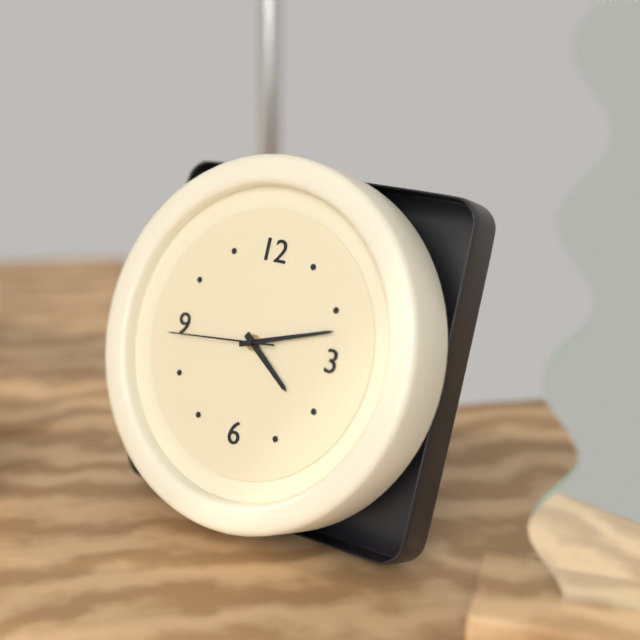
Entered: 4 h 12 min 44 s
